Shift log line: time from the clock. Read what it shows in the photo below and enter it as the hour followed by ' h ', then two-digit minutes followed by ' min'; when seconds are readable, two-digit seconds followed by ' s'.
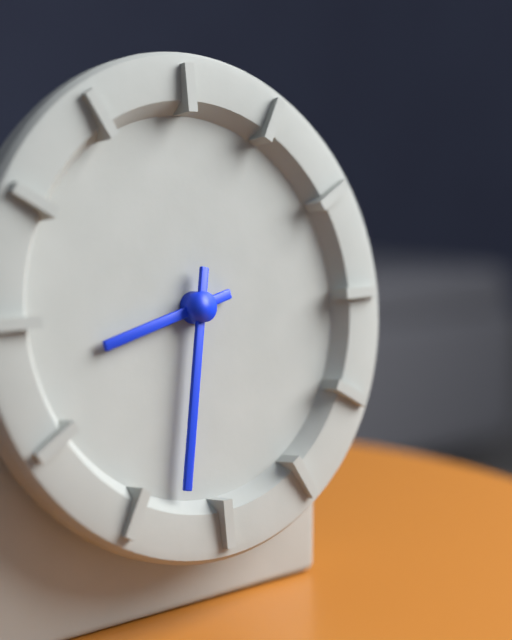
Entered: 8 h 32 min
